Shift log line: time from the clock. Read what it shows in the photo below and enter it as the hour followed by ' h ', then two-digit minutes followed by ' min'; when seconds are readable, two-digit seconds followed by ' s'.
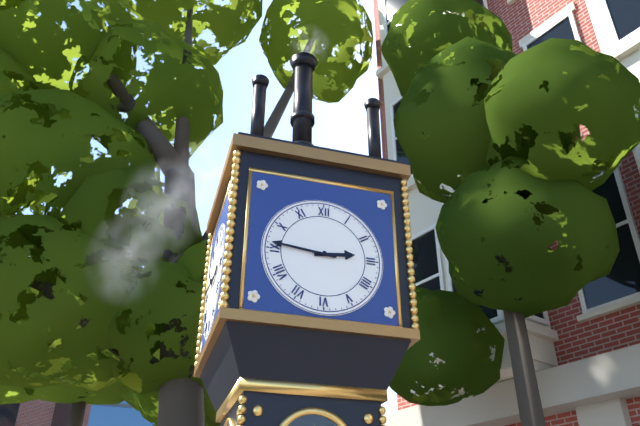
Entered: 2 h 46 min
